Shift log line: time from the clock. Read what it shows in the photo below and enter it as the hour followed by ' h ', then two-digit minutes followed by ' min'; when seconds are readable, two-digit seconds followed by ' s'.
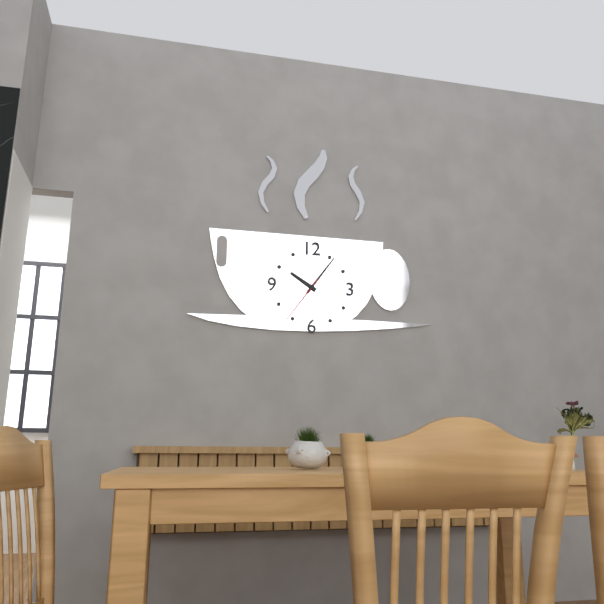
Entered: 10 h 06 min 36 s
